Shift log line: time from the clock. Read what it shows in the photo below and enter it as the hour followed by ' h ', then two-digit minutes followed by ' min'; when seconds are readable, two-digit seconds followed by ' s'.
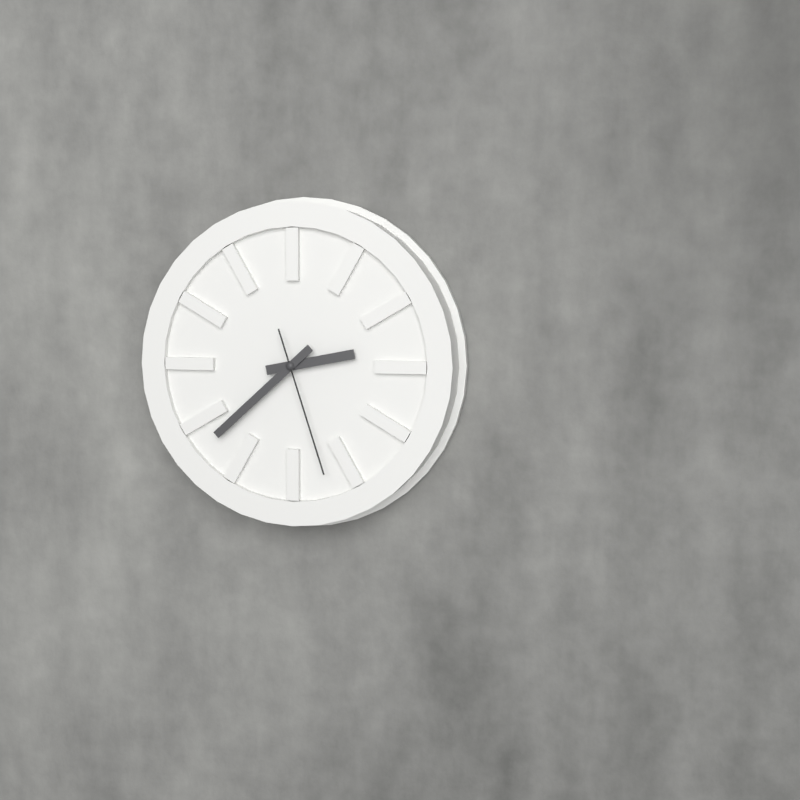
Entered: 2 h 38 min 27 s
